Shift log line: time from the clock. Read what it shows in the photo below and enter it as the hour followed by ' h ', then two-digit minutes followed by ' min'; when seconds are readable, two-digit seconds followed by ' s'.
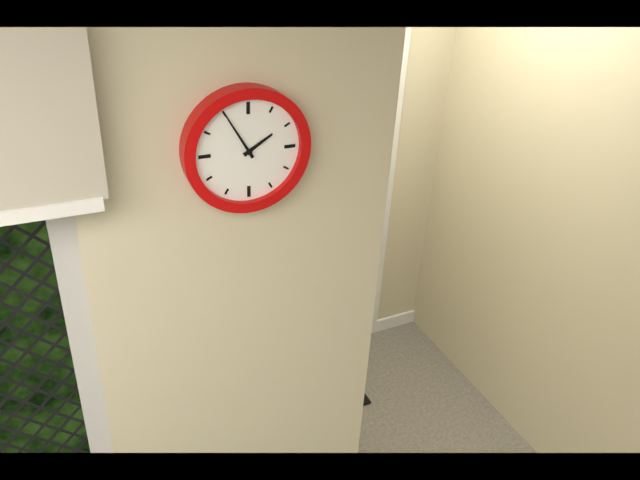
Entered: 1 h 55 min
